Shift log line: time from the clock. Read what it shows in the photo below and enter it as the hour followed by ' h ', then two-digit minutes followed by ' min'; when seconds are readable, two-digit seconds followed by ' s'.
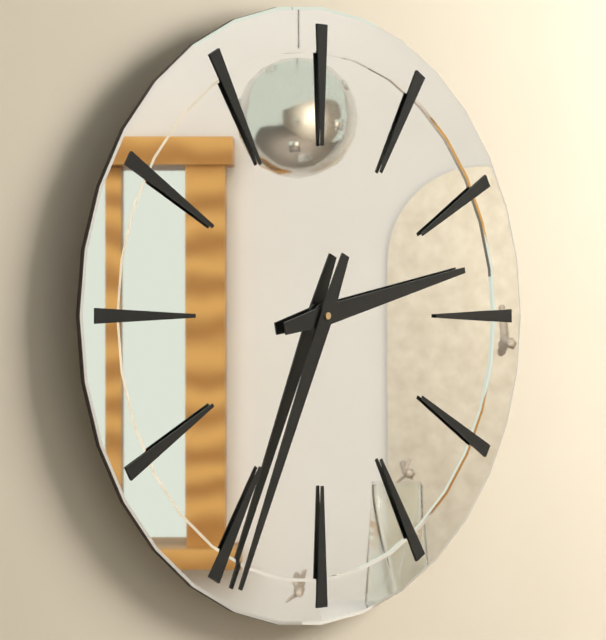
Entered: 2 h 34 min
